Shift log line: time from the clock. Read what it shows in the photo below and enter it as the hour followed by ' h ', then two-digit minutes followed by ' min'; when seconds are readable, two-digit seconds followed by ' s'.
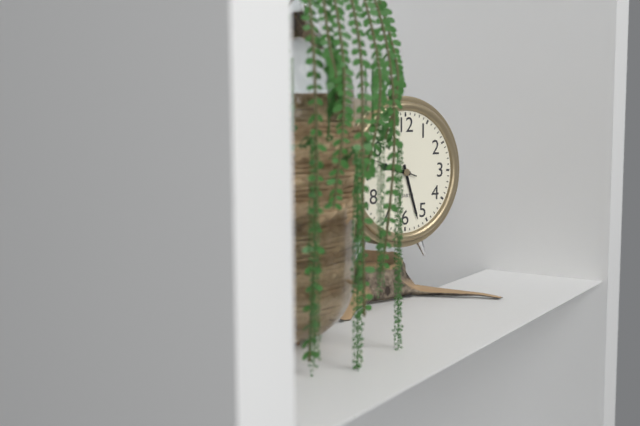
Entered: 9 h 27 min
